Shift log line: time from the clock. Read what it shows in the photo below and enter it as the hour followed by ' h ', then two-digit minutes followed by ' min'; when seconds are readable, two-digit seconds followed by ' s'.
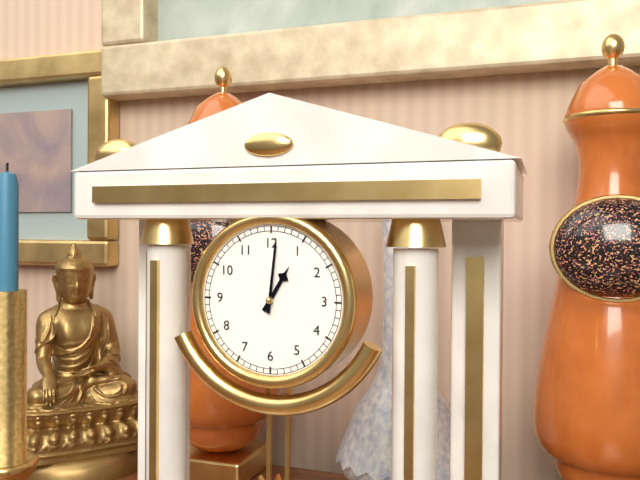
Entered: 1 h 01 min
